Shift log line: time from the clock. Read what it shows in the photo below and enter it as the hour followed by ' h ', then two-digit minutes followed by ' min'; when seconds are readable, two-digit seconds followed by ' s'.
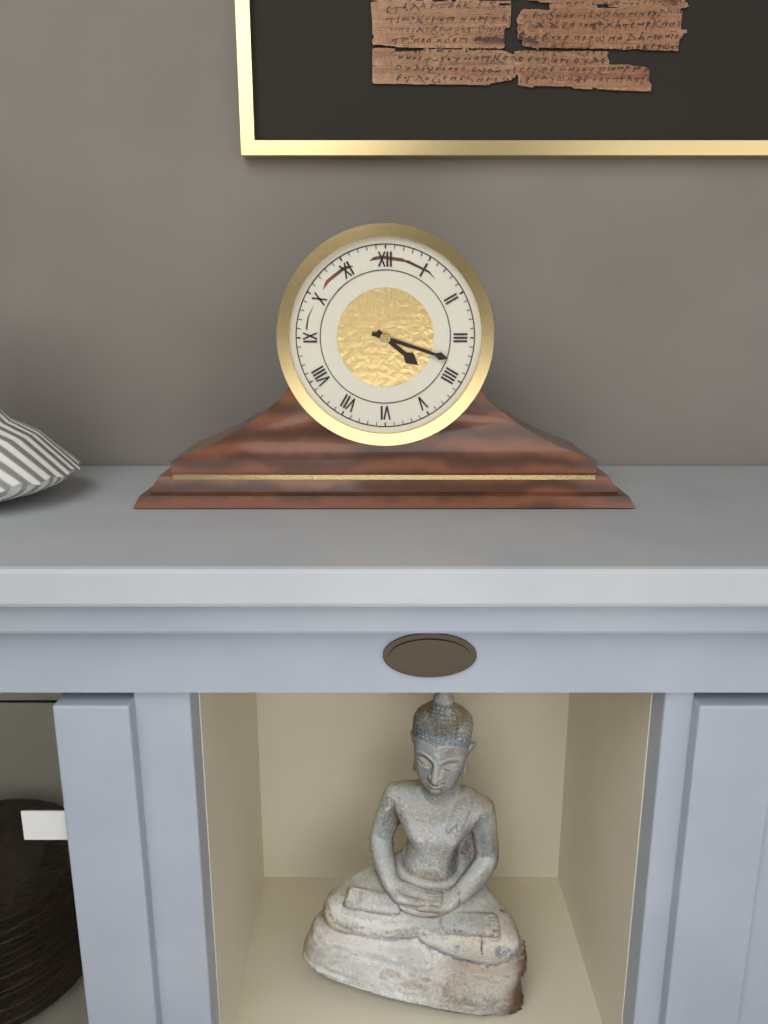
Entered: 4 h 18 min
